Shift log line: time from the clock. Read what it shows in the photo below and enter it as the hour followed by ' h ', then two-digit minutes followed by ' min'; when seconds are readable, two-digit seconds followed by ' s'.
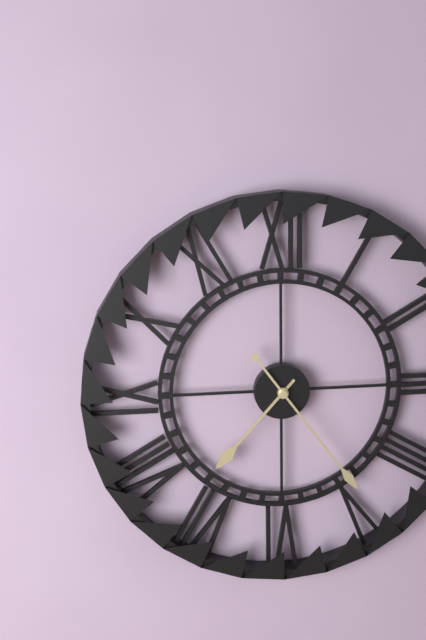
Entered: 7 h 24 min
